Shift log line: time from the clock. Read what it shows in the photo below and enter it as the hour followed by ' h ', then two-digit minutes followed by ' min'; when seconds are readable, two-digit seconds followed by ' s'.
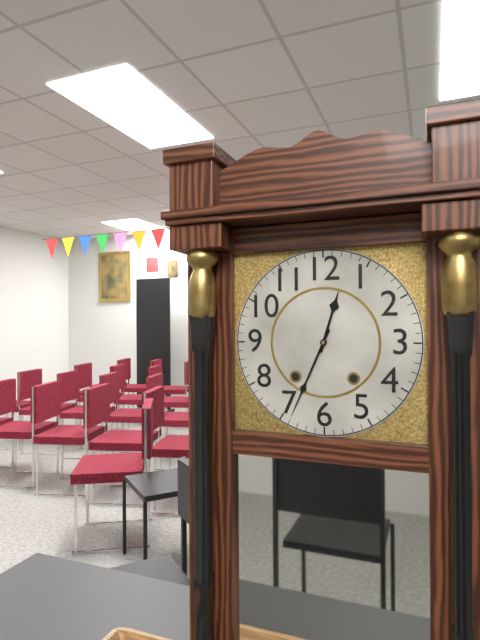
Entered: 12 h 34 min
